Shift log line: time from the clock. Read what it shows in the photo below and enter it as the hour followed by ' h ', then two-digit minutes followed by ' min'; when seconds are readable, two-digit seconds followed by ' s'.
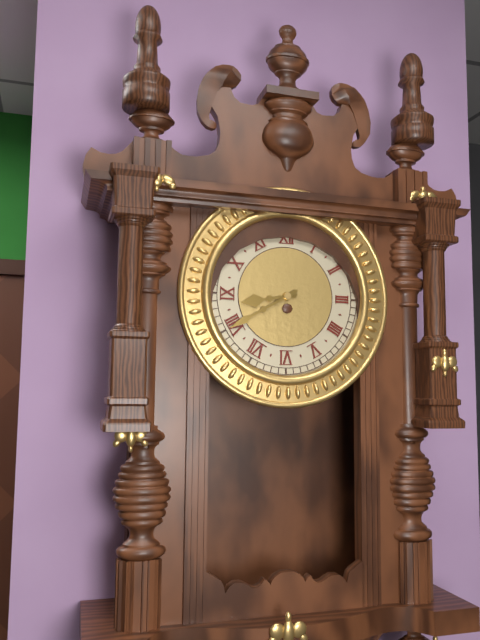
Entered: 8 h 40 min
